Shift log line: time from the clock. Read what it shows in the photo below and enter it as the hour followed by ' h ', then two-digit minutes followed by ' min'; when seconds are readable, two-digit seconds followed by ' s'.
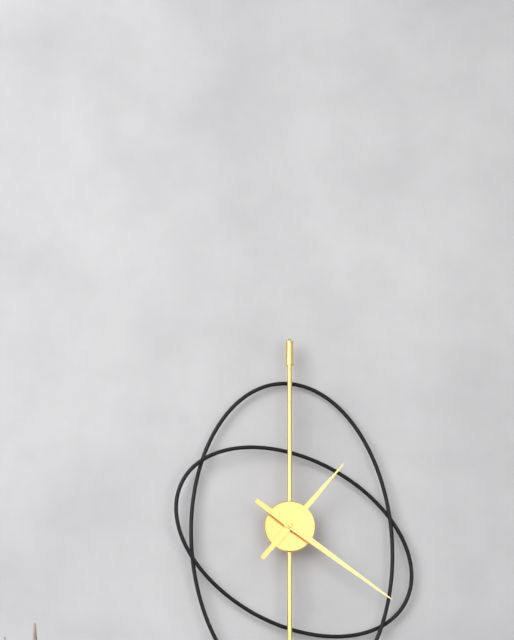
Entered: 1 h 21 min
